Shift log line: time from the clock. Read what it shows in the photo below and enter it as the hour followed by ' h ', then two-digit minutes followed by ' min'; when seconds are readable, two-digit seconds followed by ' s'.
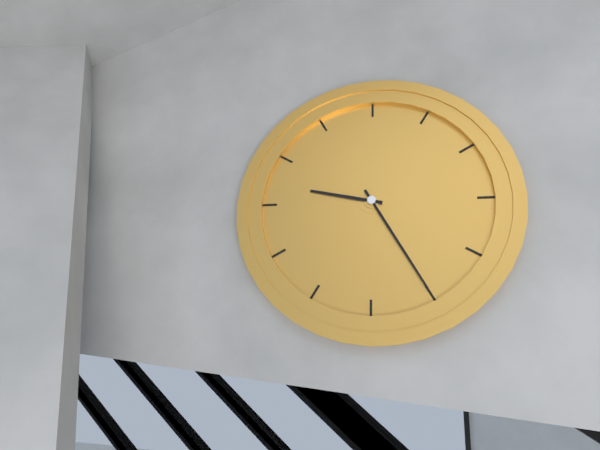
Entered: 9 h 25 min
